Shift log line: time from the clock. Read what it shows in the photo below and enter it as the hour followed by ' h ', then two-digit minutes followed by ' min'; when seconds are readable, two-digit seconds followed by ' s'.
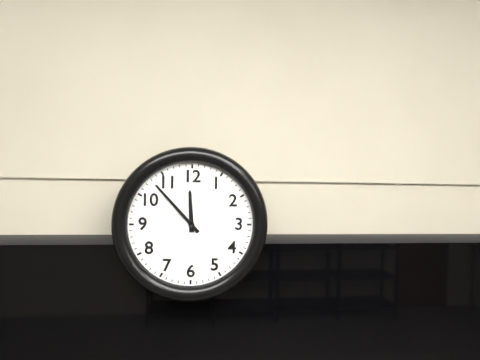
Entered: 11 h 53 min
